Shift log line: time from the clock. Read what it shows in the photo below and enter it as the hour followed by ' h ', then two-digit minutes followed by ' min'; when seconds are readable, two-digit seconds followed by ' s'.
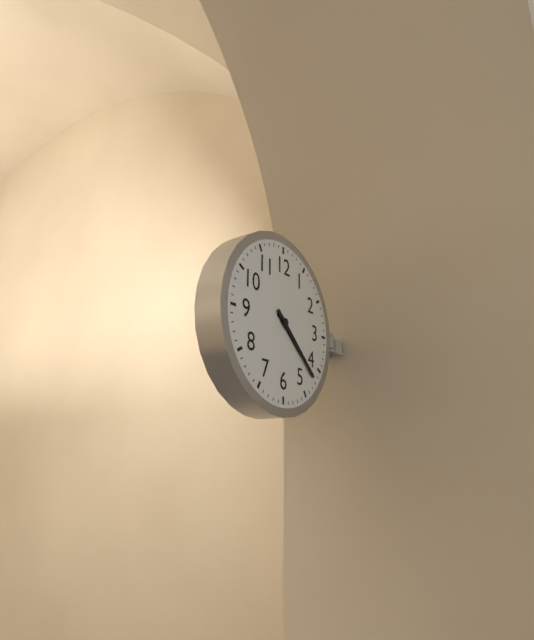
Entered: 4 h 22 min
